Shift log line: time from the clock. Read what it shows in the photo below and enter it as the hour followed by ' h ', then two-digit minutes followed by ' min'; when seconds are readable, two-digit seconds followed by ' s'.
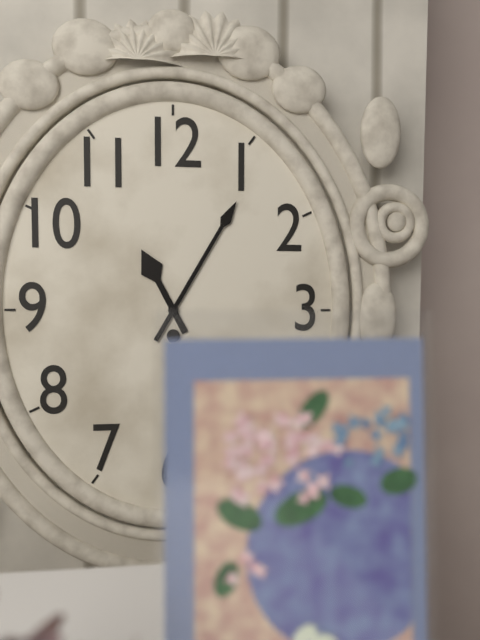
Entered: 11 h 05 min
